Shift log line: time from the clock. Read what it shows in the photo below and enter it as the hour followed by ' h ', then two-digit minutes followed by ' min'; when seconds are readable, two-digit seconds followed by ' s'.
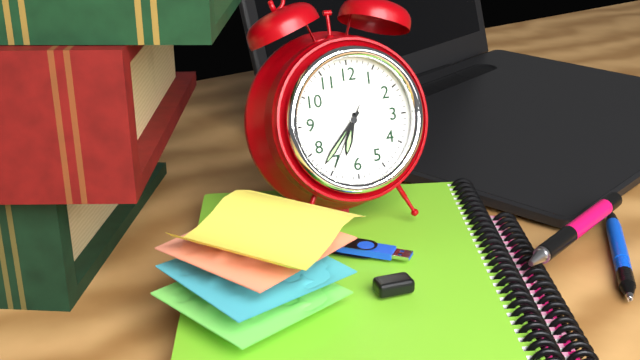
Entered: 6 h 37 min 35 s
